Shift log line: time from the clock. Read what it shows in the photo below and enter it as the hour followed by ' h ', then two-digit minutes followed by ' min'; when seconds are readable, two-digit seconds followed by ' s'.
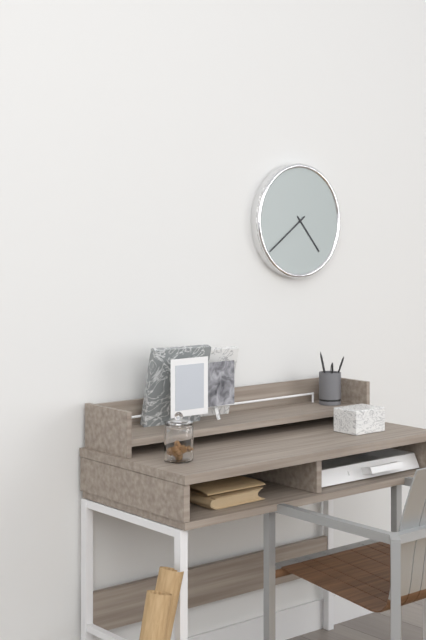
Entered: 4 h 39 min
